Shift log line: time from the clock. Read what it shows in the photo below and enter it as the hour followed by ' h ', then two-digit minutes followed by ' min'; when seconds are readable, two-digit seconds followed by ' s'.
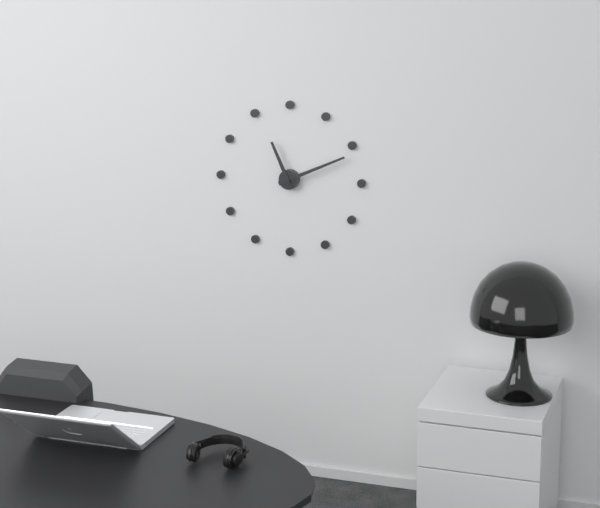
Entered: 11 h 11 min
